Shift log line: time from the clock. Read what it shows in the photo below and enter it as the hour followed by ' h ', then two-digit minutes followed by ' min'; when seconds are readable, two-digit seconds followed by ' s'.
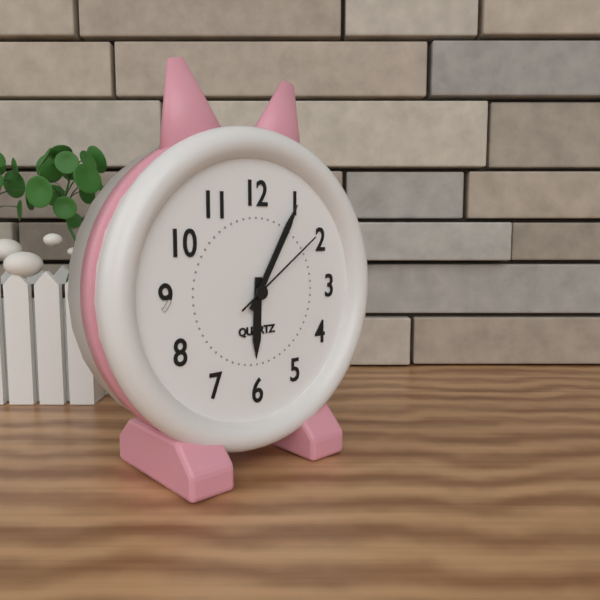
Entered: 6 h 05 min 09 s
